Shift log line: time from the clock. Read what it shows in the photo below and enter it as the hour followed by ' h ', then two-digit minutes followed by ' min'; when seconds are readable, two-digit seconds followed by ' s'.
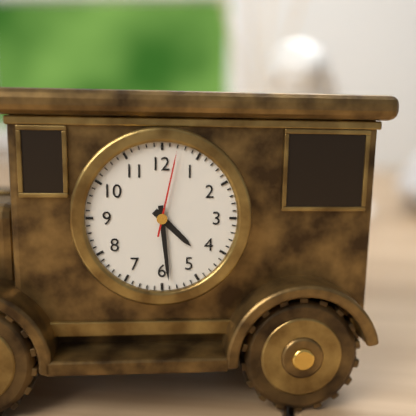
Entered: 4 h 29 min 02 s
